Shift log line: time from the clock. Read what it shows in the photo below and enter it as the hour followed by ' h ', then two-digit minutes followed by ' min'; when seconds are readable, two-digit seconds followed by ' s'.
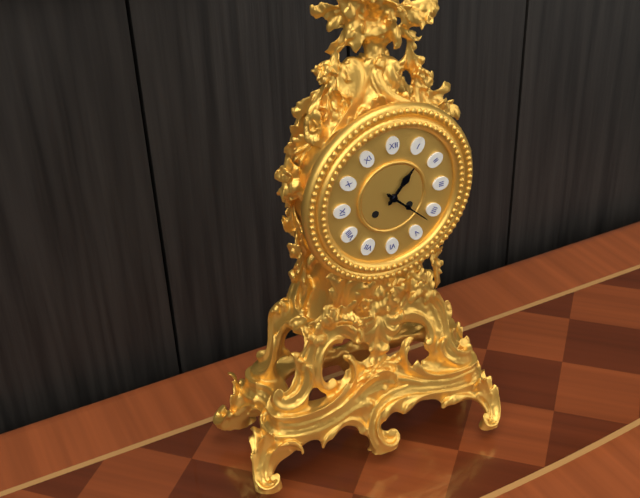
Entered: 1 h 22 min
